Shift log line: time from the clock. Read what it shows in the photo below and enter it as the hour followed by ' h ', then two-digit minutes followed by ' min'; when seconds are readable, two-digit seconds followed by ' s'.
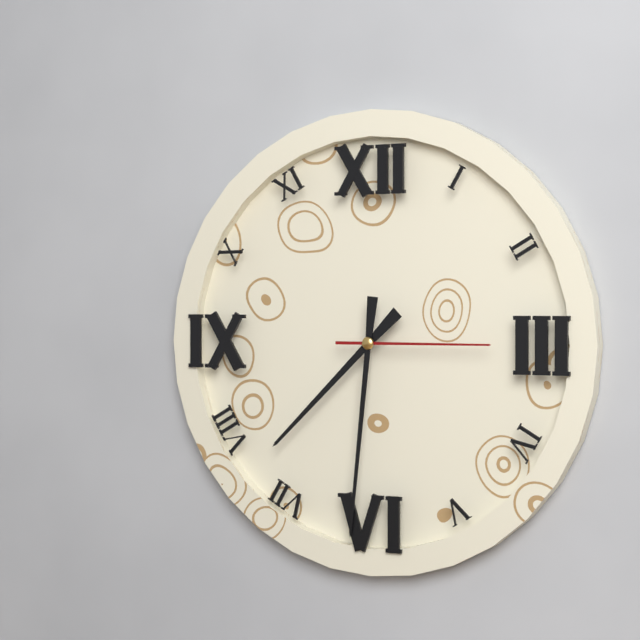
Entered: 7 h 31 min 15 s
